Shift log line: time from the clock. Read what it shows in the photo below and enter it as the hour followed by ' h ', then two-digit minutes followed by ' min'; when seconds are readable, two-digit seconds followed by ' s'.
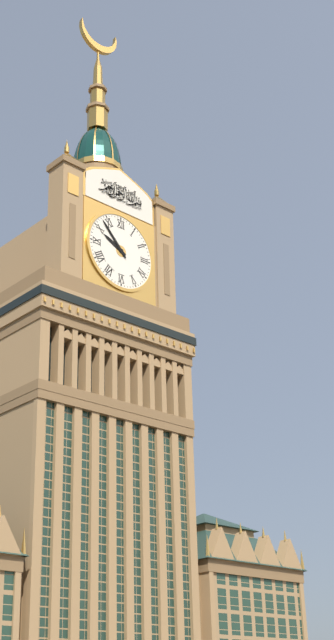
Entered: 9 h 53 min
